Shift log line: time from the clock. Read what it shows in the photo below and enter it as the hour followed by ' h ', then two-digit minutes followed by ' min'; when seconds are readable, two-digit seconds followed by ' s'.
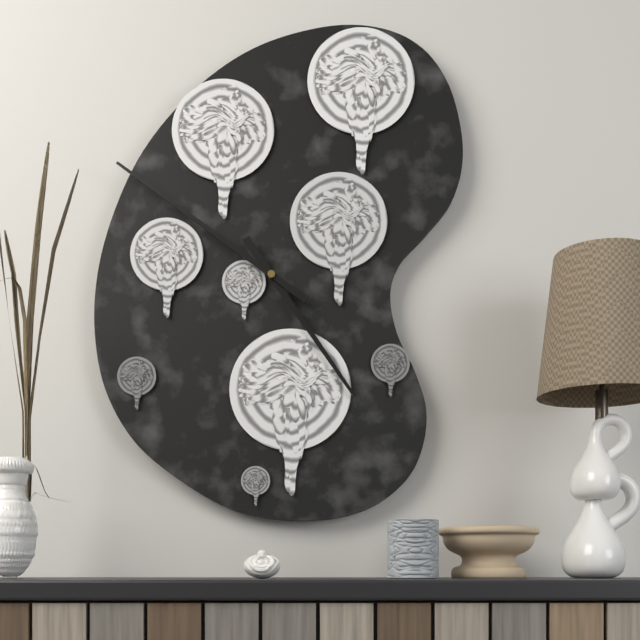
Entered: 4 h 51 min
